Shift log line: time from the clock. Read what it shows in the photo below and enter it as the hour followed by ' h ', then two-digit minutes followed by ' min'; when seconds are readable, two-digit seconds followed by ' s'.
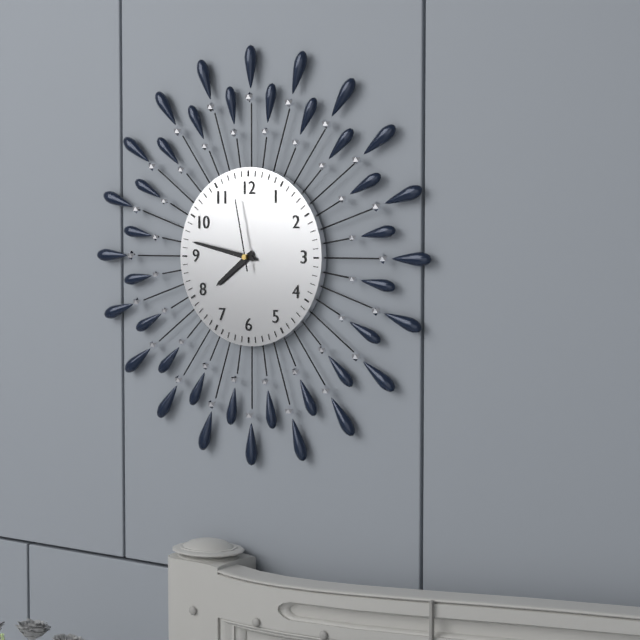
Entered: 7 h 47 min 58 s
